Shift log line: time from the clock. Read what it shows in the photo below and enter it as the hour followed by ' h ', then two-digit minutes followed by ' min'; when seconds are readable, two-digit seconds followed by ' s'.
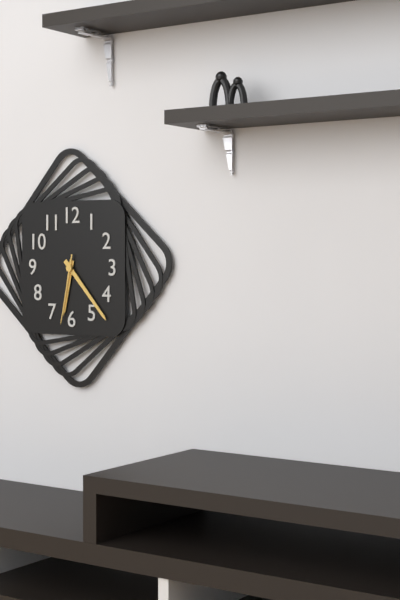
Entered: 6 h 23 min 32 s
